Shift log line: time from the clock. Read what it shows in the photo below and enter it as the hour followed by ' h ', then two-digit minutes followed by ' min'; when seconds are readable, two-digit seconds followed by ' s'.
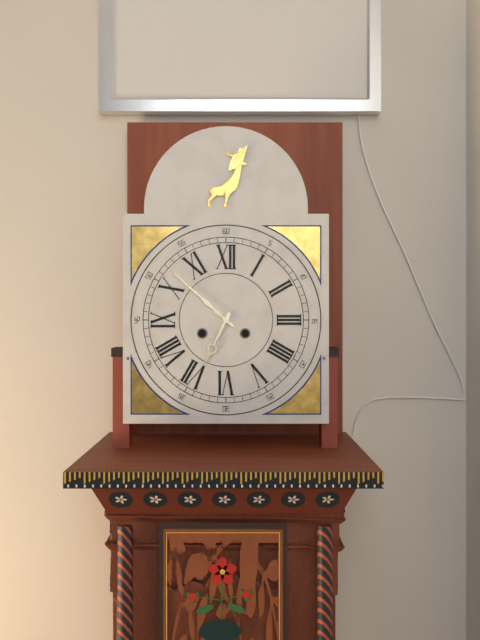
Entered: 6 h 52 min
